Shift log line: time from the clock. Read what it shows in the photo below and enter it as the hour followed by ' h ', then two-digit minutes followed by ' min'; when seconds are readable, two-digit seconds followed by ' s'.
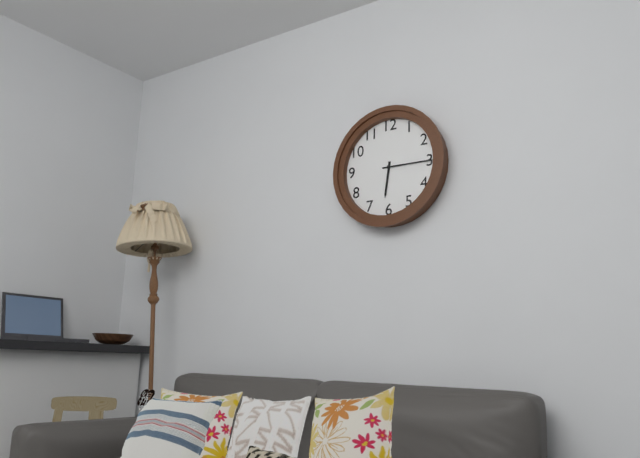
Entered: 6 h 15 min
